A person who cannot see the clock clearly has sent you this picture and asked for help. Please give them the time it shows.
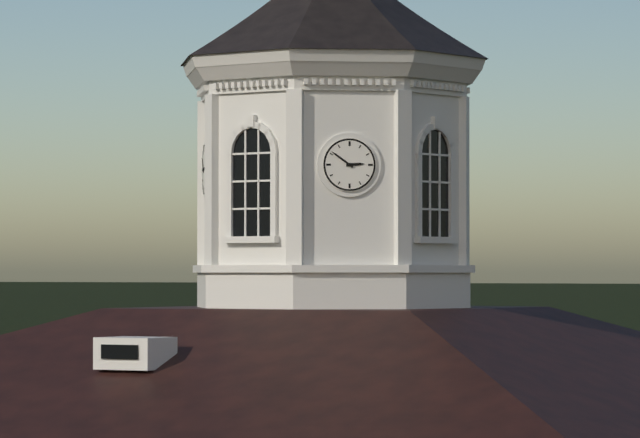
2:51
